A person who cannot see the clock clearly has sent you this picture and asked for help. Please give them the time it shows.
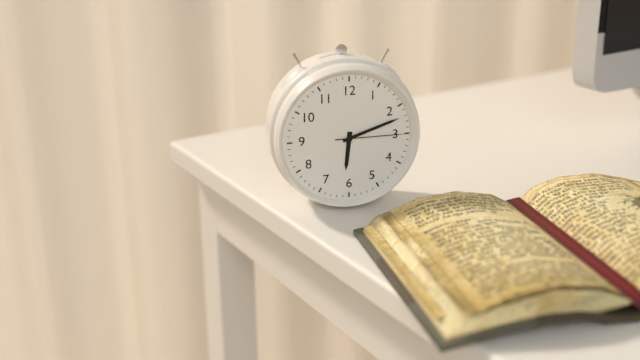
6:12:15
